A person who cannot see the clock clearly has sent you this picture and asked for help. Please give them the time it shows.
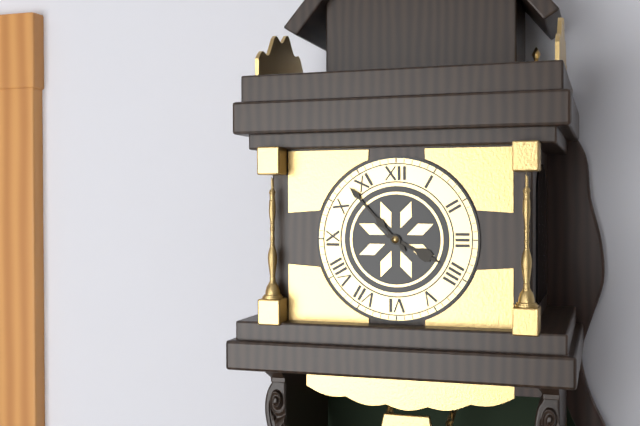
3:53
